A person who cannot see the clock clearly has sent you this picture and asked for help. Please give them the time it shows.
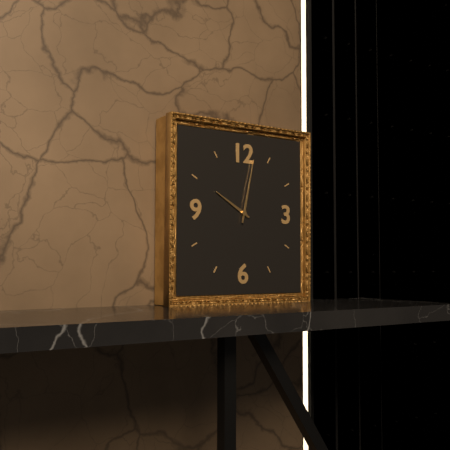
10:02
